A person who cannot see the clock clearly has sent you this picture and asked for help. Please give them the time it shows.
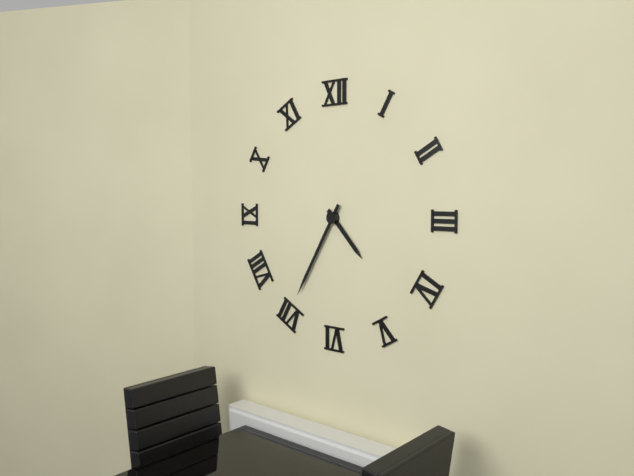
4:35
